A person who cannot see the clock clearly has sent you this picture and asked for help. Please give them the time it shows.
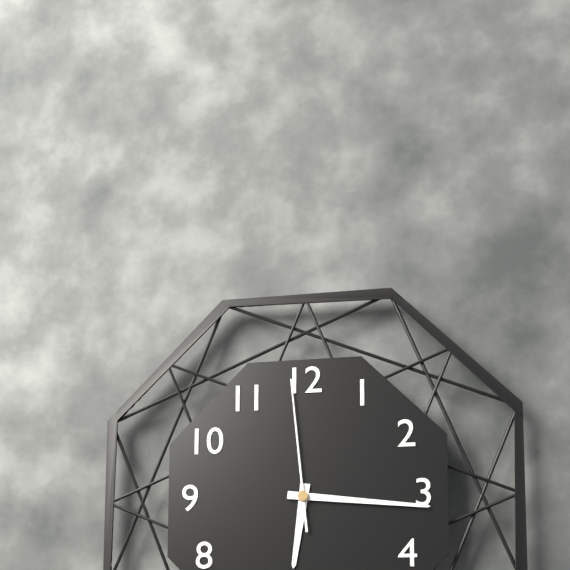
6:16:59
